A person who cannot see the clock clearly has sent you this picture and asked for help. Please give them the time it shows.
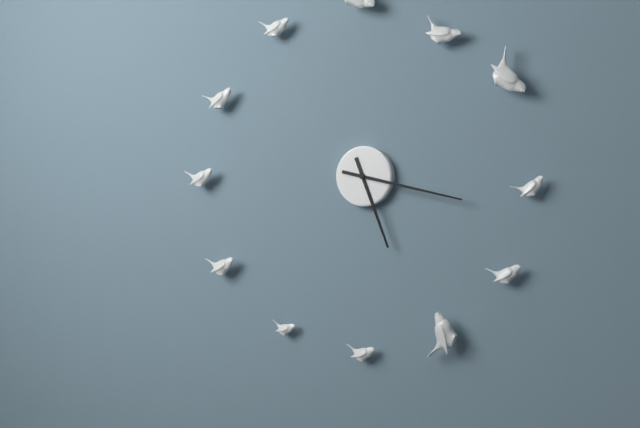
5:17
